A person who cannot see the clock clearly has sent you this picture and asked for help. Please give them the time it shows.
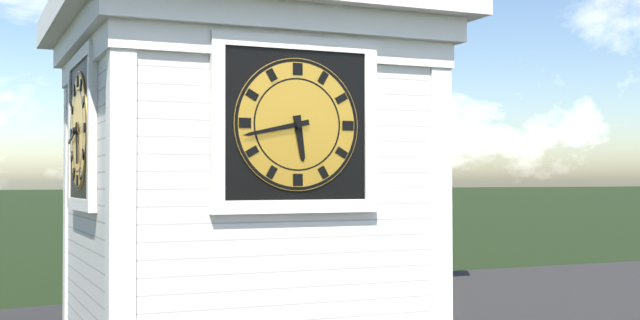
5:43
